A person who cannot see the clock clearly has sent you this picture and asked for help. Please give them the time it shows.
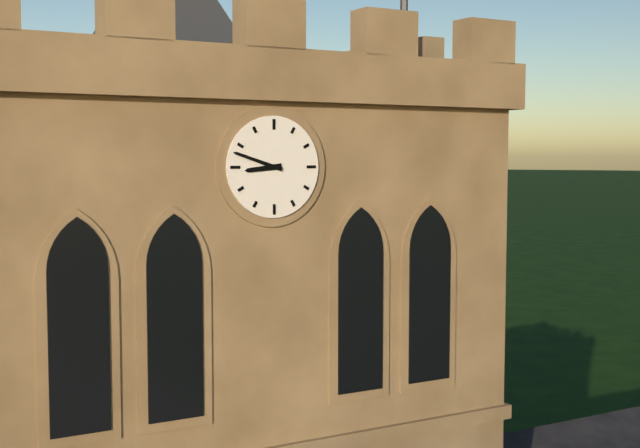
8:48
